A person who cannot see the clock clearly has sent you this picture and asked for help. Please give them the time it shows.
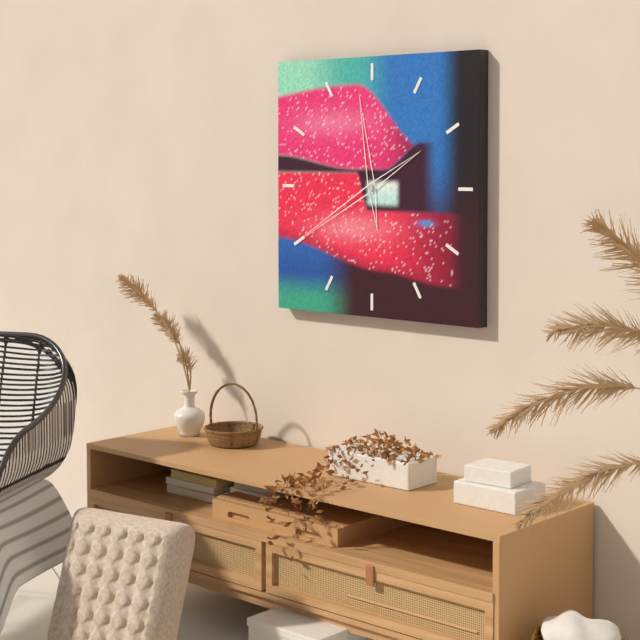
11:40
